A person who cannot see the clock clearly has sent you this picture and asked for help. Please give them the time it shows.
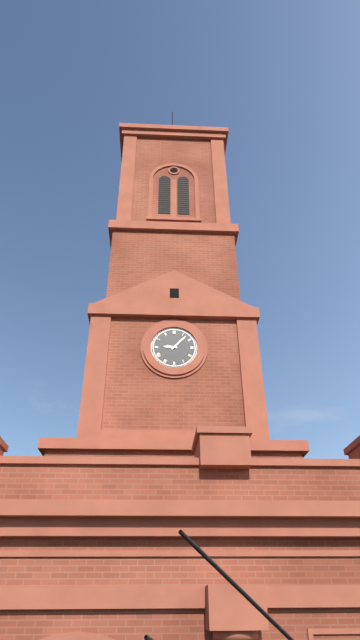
9:07
